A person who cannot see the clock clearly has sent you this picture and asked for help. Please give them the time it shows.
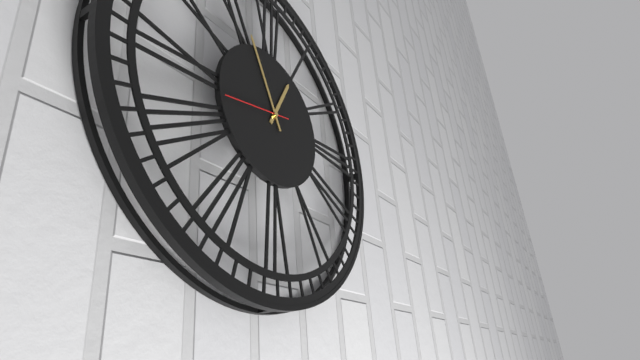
12:56
